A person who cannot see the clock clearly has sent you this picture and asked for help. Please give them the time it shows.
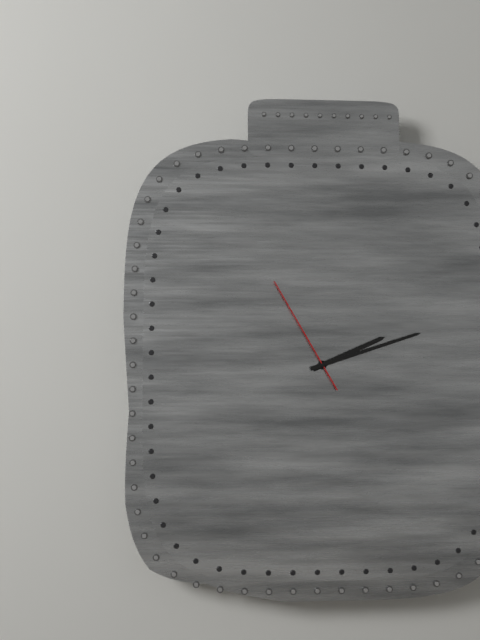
2:12:55
